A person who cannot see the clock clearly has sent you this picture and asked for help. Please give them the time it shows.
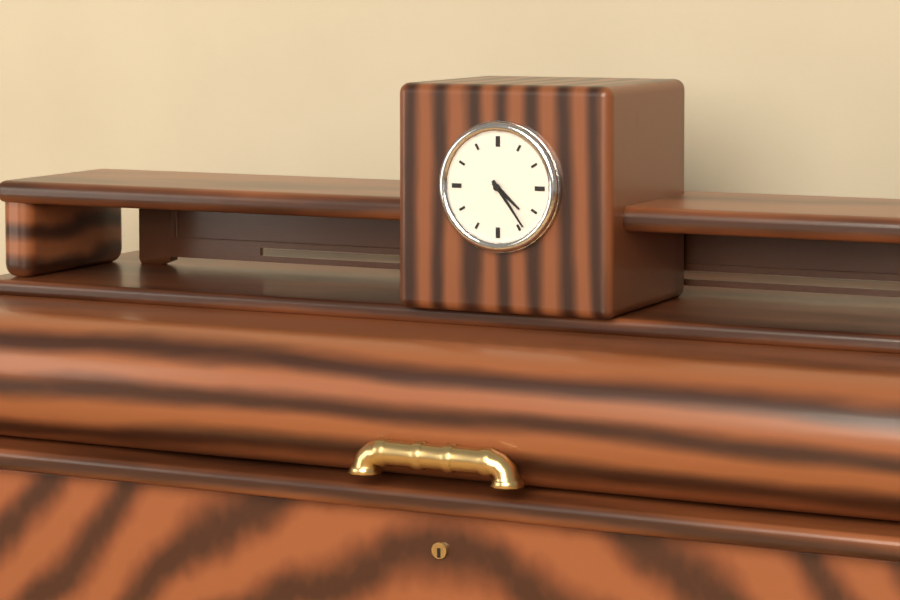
4:24
